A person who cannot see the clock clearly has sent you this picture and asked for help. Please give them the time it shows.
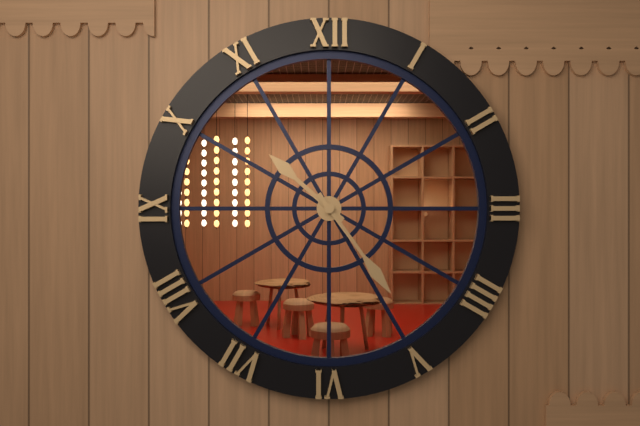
10:24
